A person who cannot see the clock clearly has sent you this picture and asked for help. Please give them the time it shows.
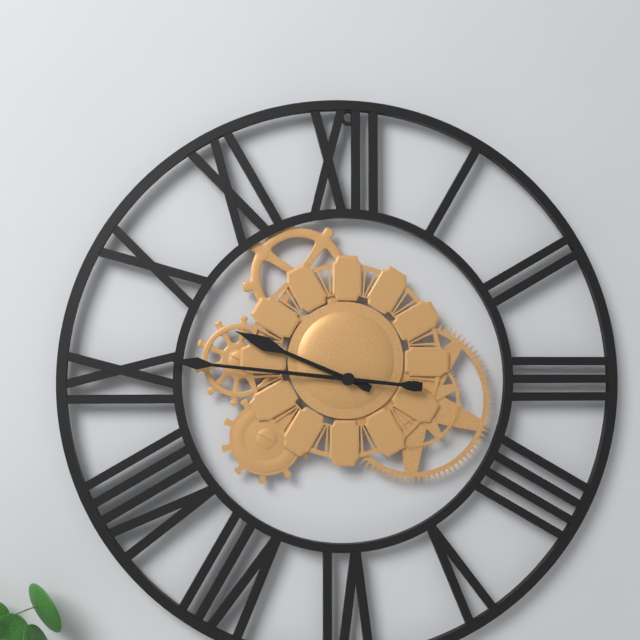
9:46
